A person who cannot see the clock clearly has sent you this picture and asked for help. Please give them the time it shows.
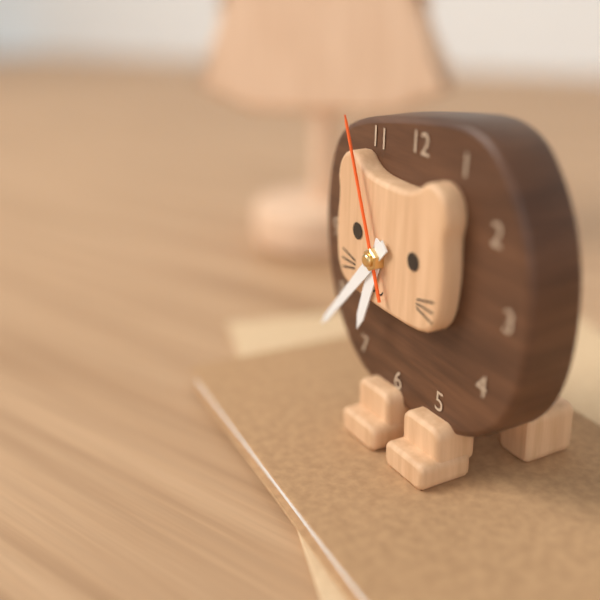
6:37:56
